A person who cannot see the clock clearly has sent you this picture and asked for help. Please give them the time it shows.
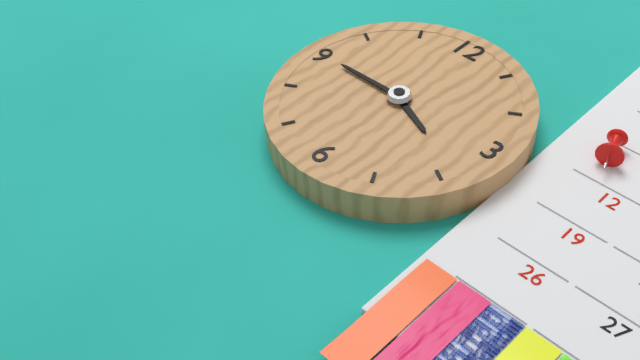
3:45
